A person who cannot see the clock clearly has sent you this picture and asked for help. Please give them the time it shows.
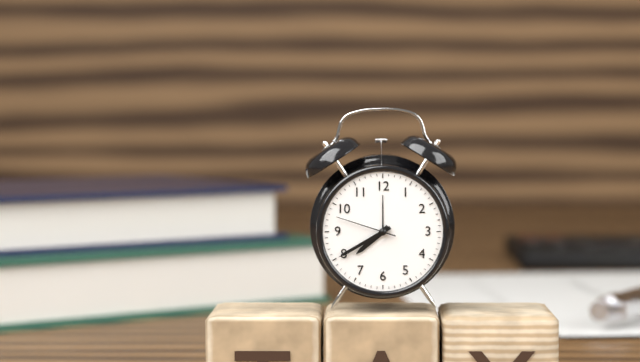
7:40:48
